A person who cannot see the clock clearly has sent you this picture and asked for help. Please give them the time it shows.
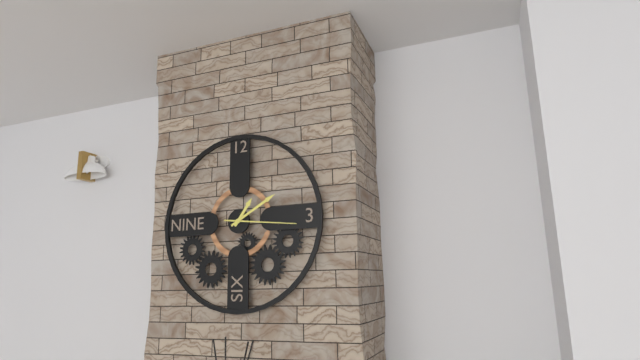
1:10:16
